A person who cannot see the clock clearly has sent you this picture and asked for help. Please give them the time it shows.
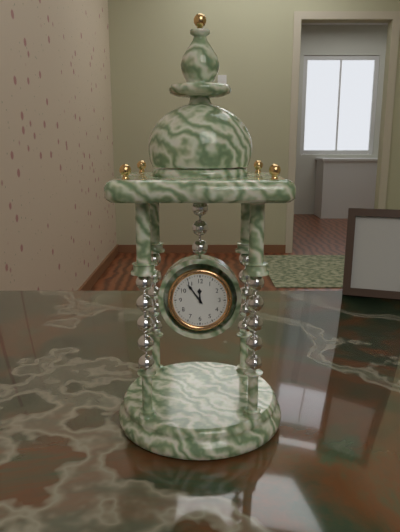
11:54
